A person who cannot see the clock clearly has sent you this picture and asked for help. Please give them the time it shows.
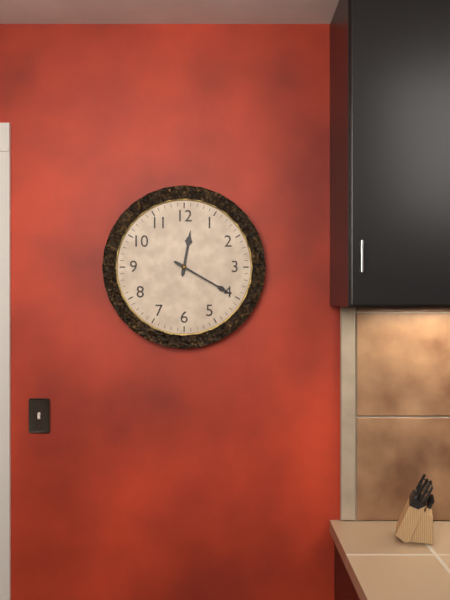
12:20
